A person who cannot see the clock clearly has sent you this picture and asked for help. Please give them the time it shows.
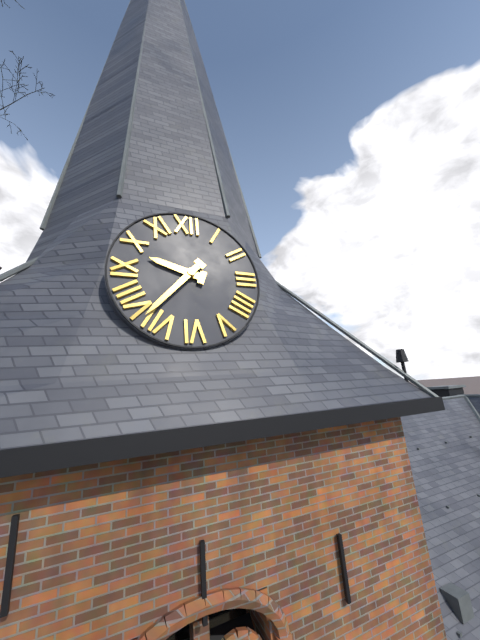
9:37
